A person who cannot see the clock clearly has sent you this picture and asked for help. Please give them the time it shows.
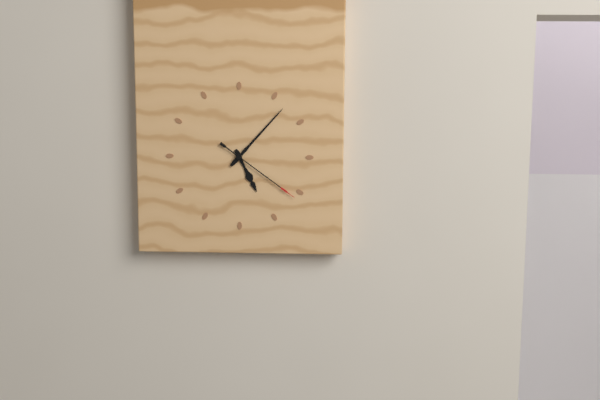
5:07:21
